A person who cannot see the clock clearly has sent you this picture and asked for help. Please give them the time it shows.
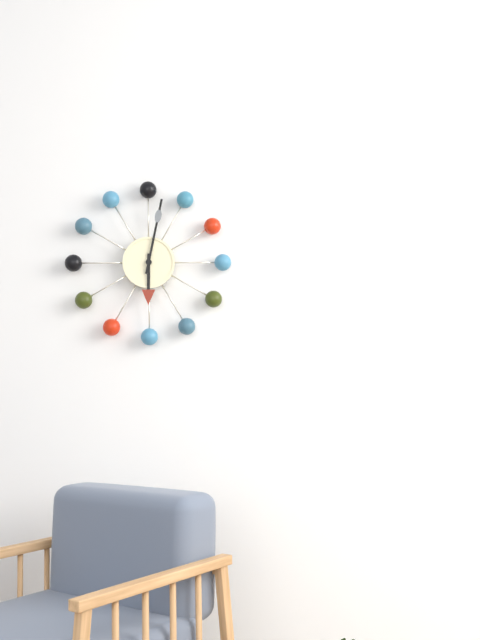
6:02
